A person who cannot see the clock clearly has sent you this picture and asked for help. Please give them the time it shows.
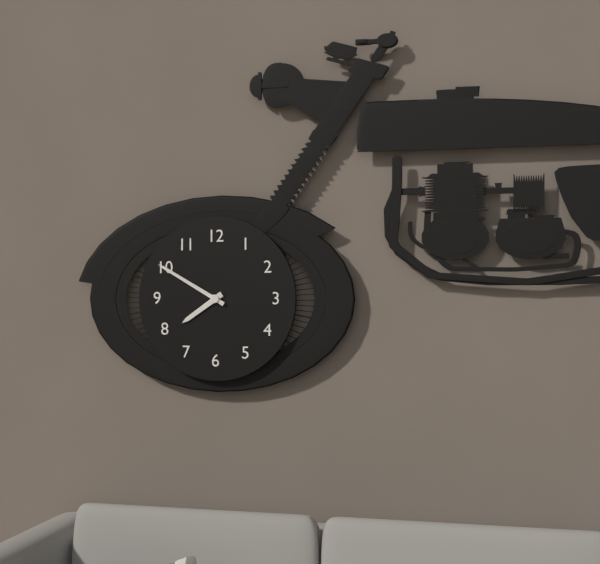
7:50
